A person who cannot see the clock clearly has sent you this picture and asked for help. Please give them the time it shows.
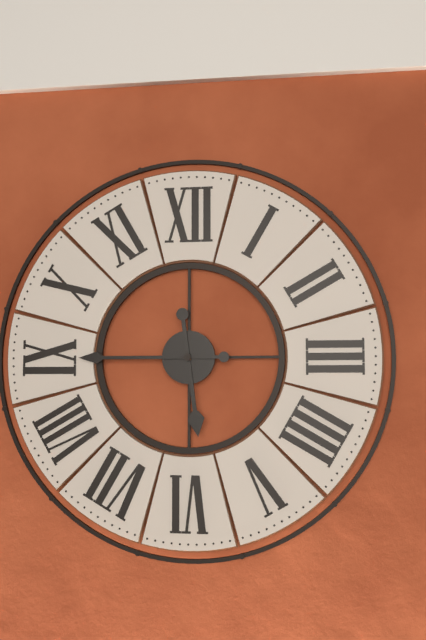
5:45
